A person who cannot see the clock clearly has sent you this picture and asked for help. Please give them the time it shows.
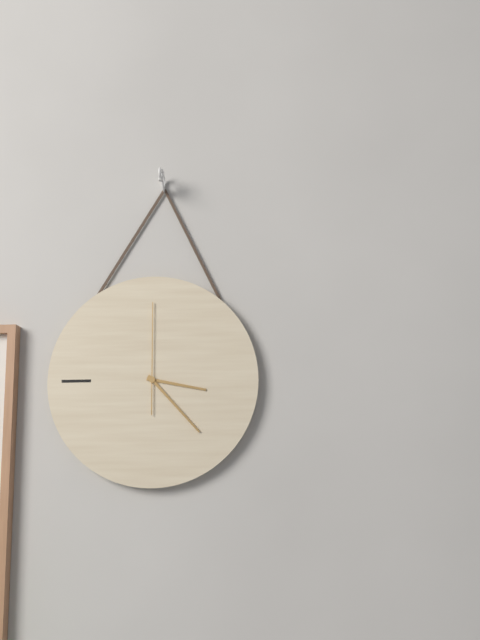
3:23:00
